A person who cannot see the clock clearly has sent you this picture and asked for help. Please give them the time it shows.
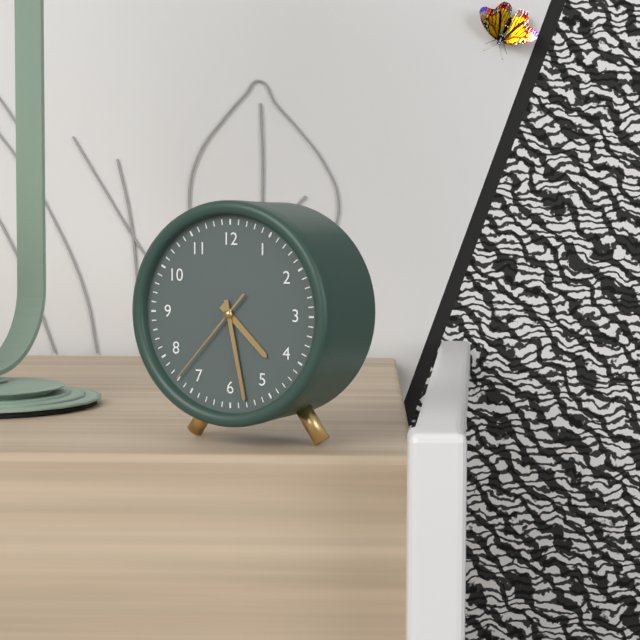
4:28:37
